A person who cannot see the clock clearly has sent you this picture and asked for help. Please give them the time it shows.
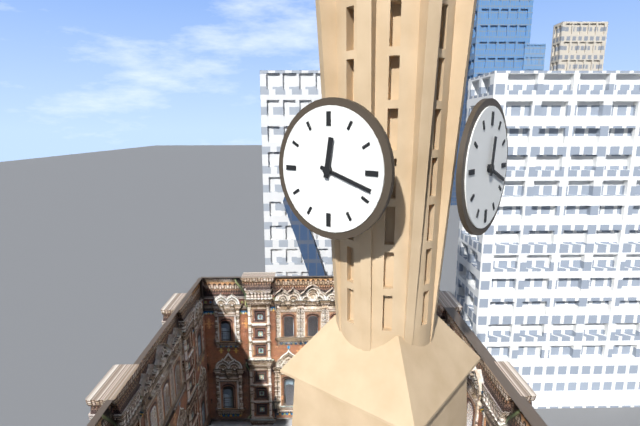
12:18
